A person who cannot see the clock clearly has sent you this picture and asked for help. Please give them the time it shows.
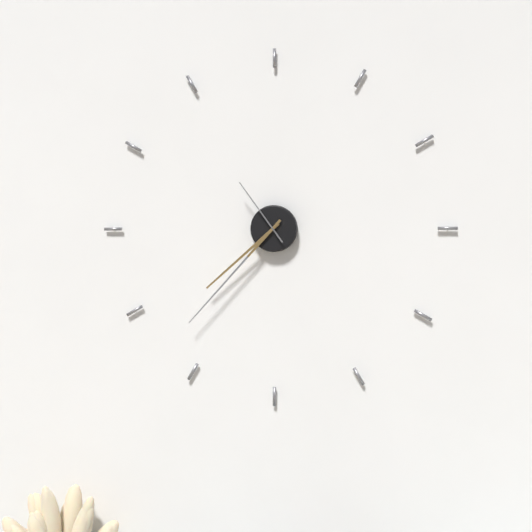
7:37:54
